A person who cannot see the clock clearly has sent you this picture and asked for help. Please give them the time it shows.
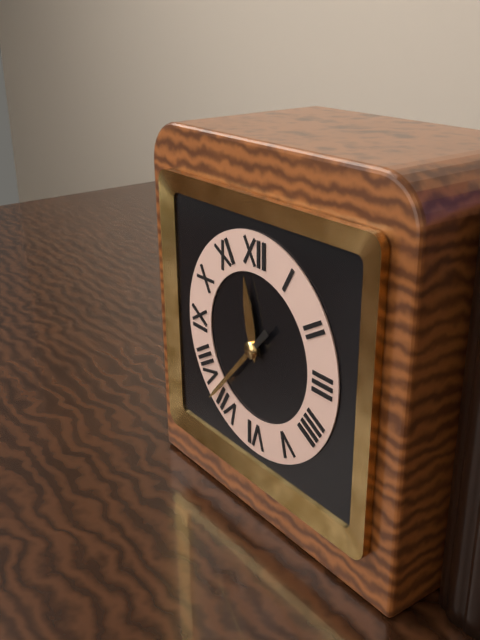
11:37
